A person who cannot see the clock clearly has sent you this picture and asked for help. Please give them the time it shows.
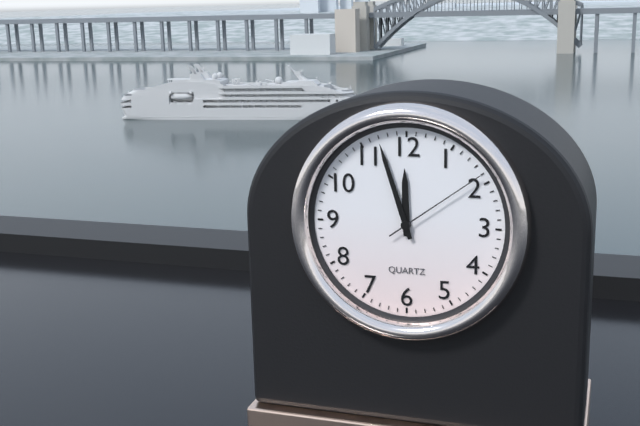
11:57:09
